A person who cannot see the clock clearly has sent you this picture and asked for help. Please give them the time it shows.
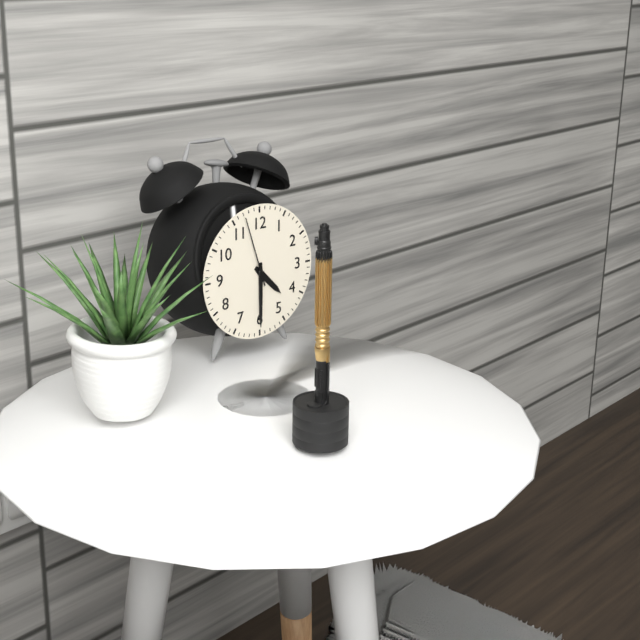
4:30:57
